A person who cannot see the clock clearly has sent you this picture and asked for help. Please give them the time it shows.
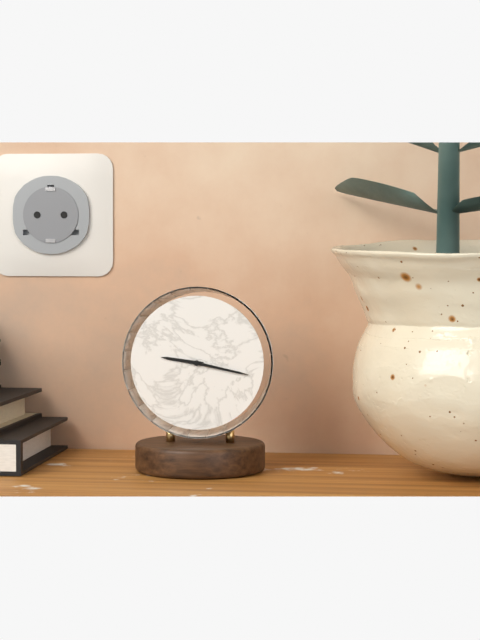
9:17
